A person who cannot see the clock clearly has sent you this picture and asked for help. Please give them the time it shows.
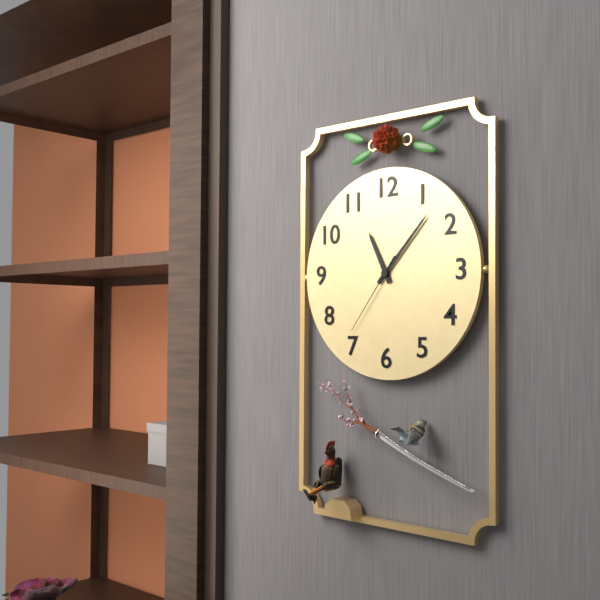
11:07:36
